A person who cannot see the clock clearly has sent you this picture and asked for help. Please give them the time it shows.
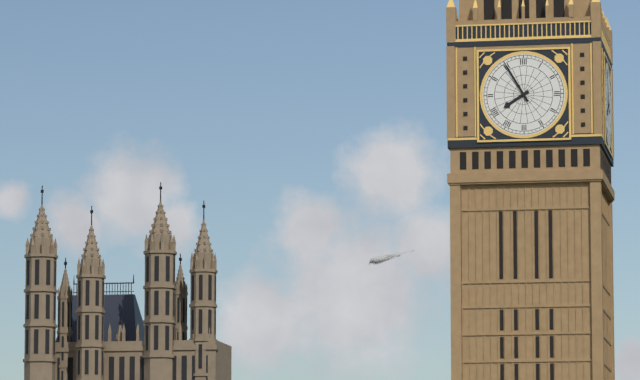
7:55
